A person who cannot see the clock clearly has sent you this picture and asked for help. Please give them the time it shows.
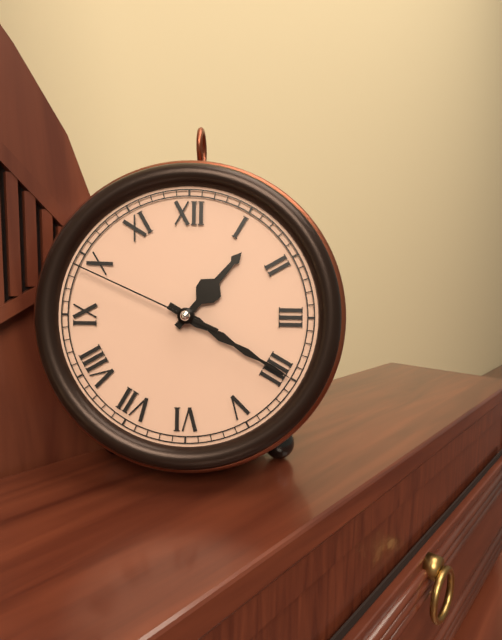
1:20:49
